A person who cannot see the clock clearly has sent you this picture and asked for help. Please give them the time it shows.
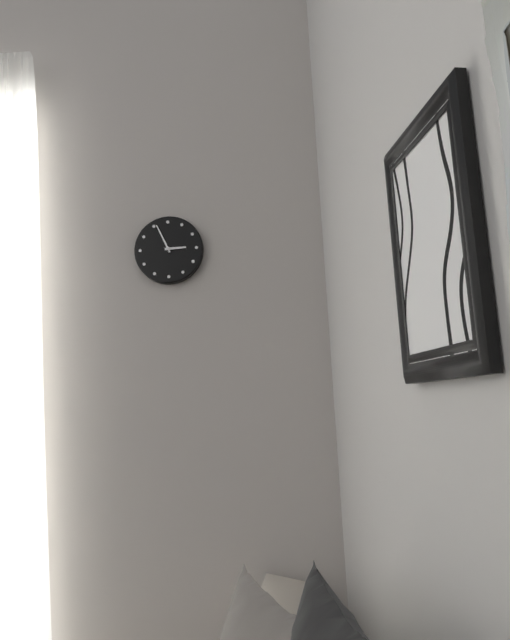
2:56
